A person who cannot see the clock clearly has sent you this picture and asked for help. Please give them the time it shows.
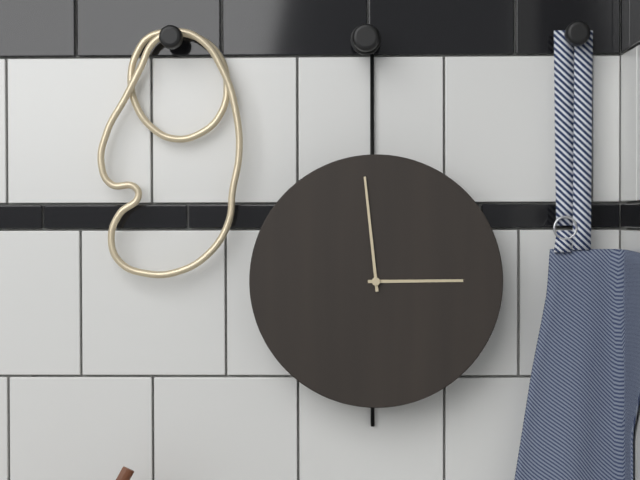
2:59
